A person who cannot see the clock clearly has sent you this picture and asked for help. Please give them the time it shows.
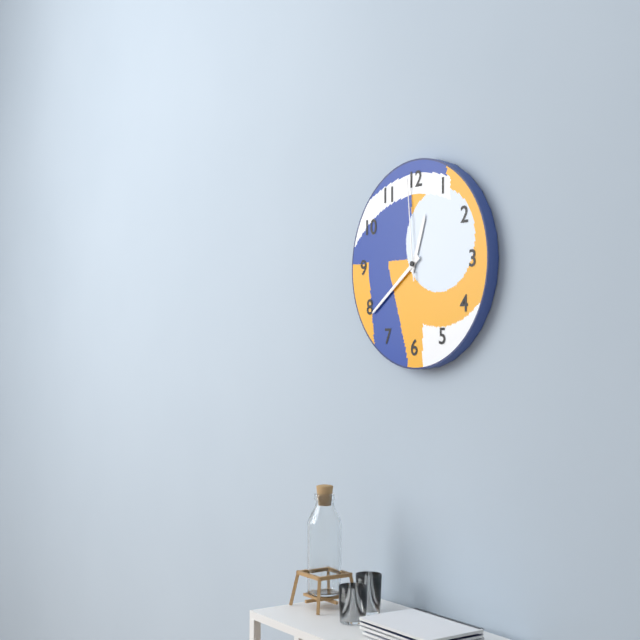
12:39:59
